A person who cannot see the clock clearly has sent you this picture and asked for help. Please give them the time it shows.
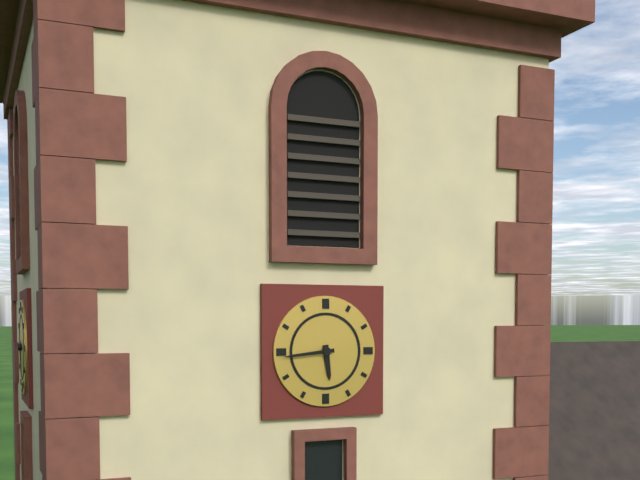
5:44
